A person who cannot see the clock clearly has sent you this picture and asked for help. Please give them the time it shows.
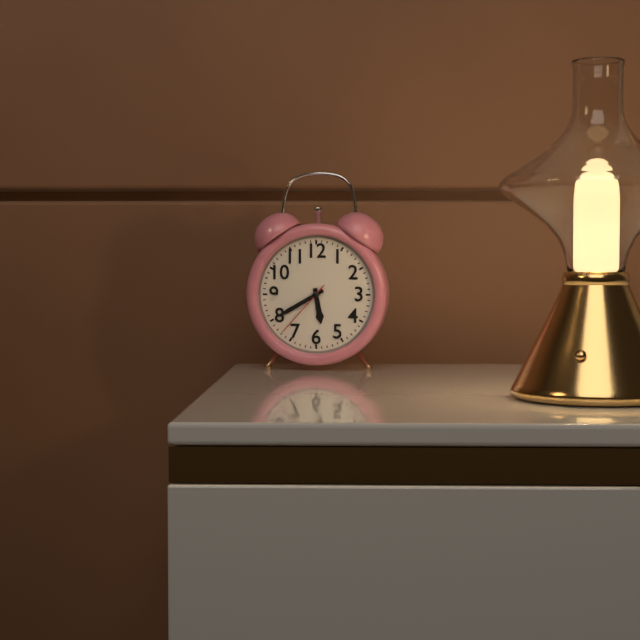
5:40:37
